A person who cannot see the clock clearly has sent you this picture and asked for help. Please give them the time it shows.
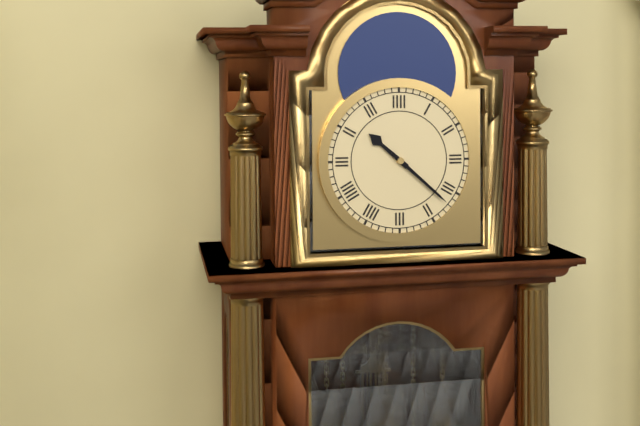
10:22
